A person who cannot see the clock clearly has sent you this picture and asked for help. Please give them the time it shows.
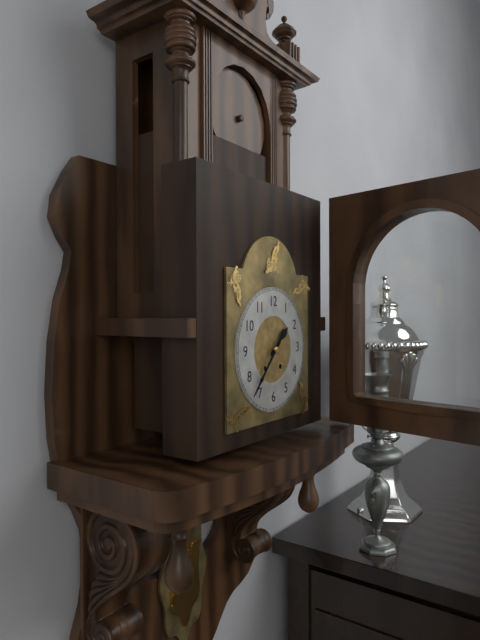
1:37
